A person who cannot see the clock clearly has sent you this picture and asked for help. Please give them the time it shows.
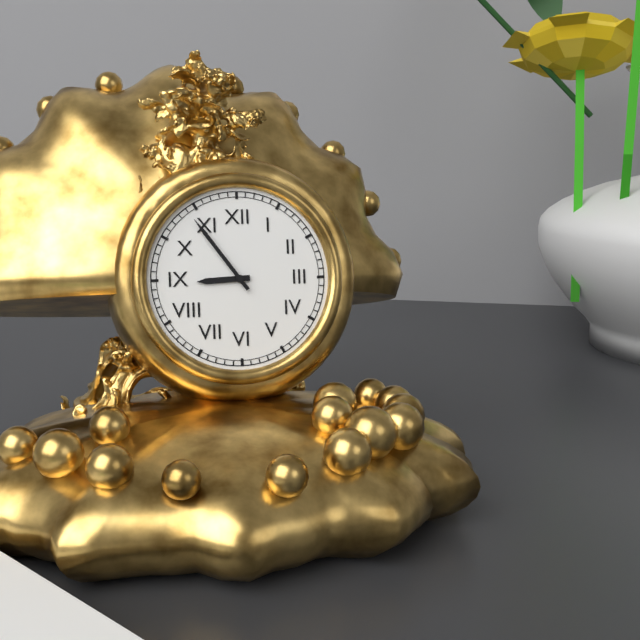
8:54
